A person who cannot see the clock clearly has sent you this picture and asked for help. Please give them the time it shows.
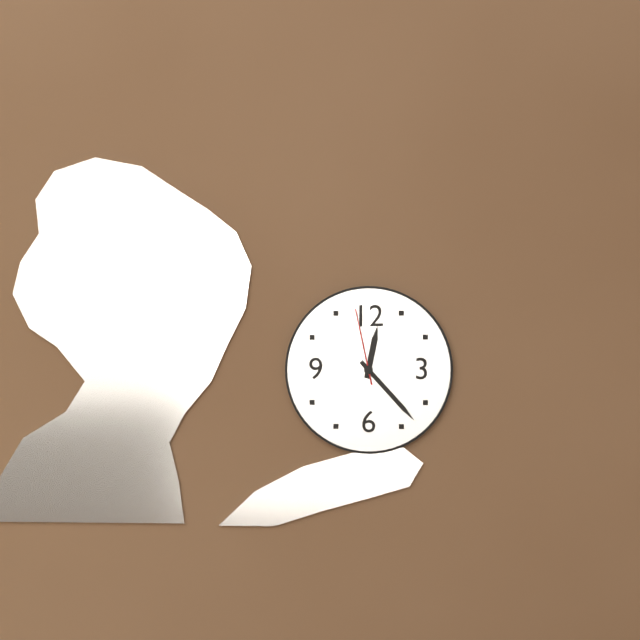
12:23:58
